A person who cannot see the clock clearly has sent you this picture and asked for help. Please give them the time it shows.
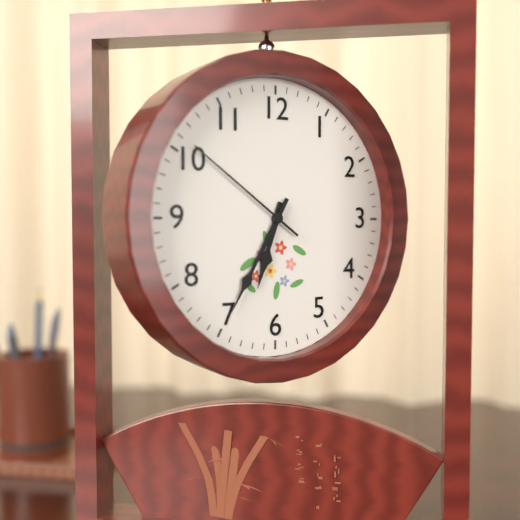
6:35:51
